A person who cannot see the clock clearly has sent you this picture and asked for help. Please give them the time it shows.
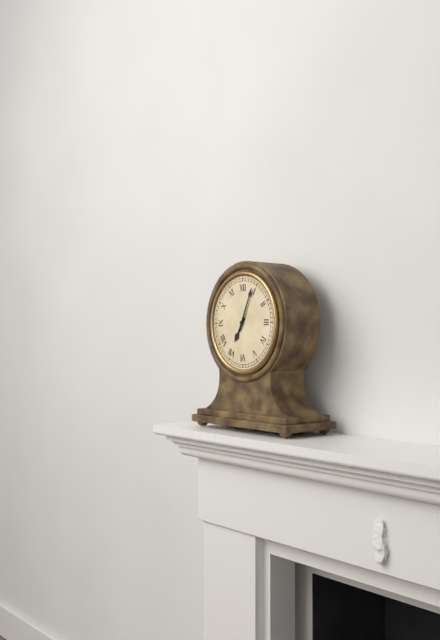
7:04
